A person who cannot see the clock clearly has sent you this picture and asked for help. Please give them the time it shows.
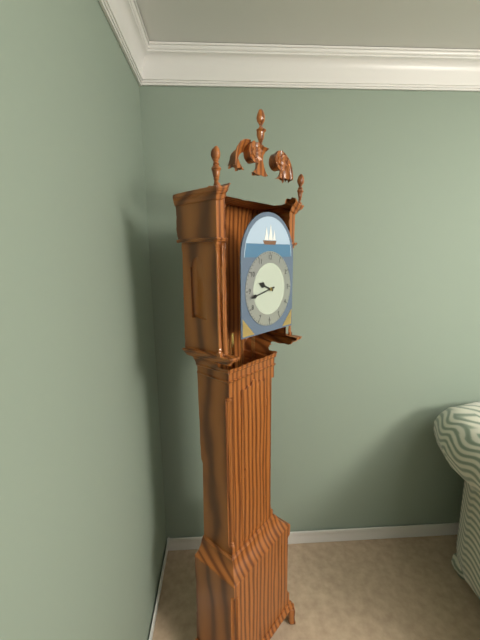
9:43
